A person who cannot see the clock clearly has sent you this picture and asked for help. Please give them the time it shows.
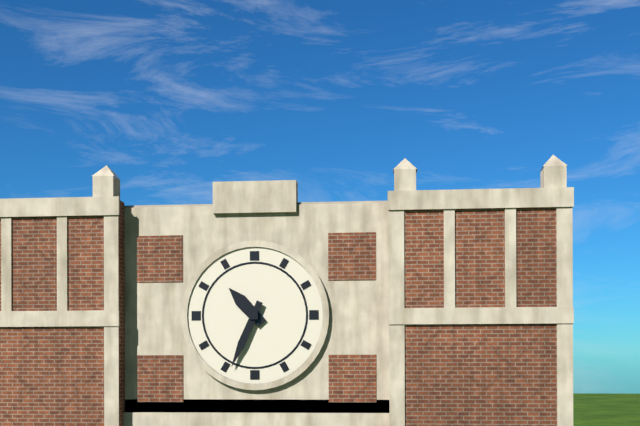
10:34
